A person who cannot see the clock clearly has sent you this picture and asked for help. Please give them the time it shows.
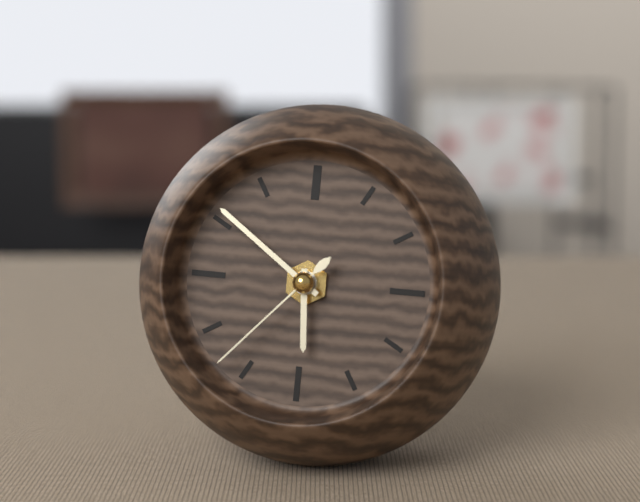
5:51:37
